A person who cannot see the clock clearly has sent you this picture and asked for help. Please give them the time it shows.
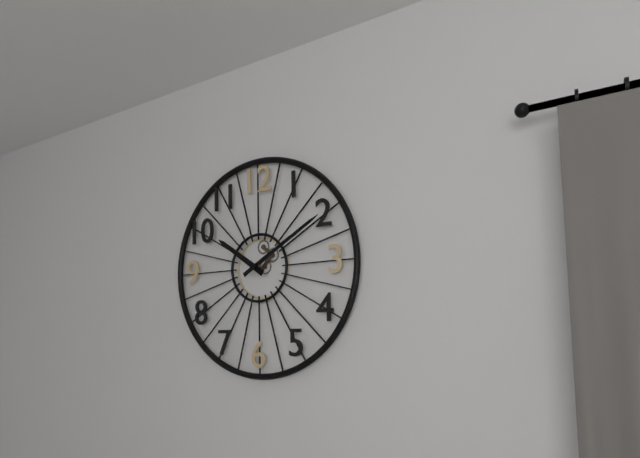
10:10
